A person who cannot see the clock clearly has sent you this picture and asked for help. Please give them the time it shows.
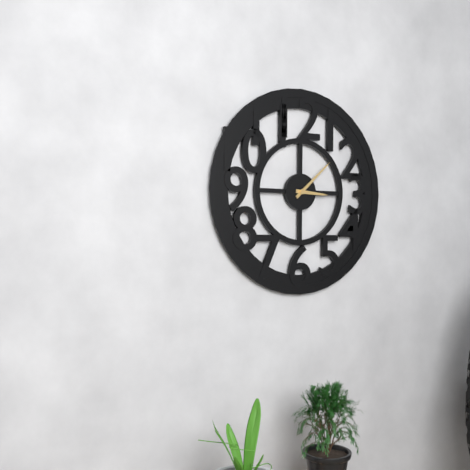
3:08
